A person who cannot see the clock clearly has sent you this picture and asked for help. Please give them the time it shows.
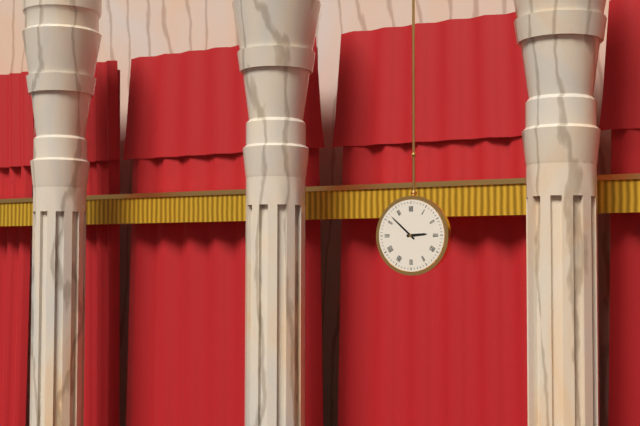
2:52
